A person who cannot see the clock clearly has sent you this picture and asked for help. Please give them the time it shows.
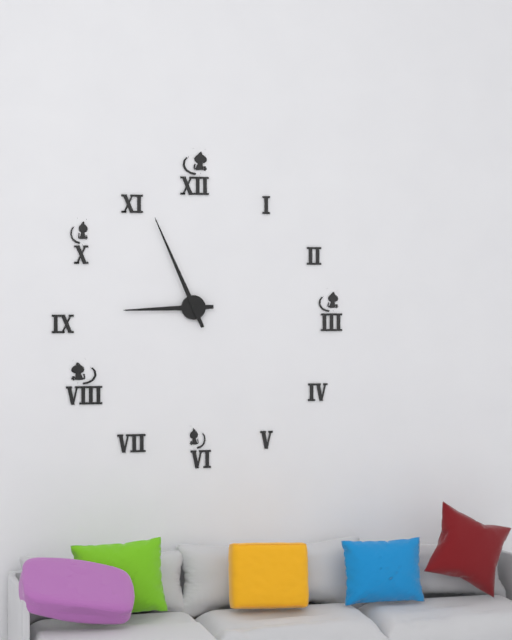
8:56
